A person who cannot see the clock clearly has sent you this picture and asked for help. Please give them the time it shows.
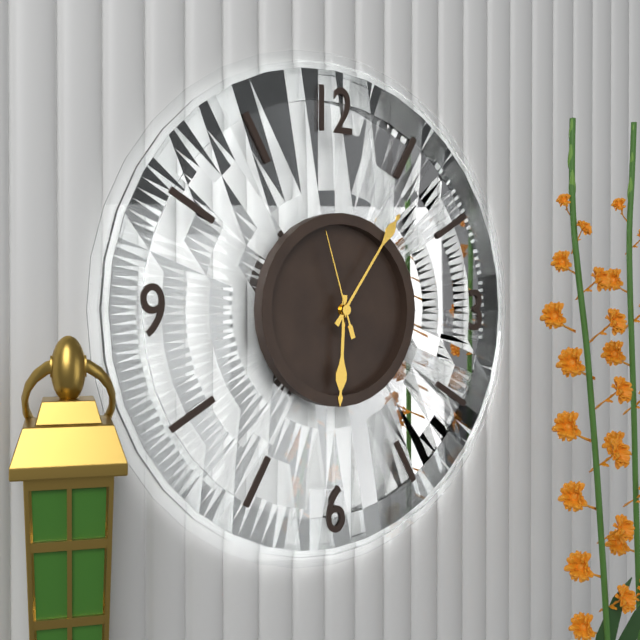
6:06:57
